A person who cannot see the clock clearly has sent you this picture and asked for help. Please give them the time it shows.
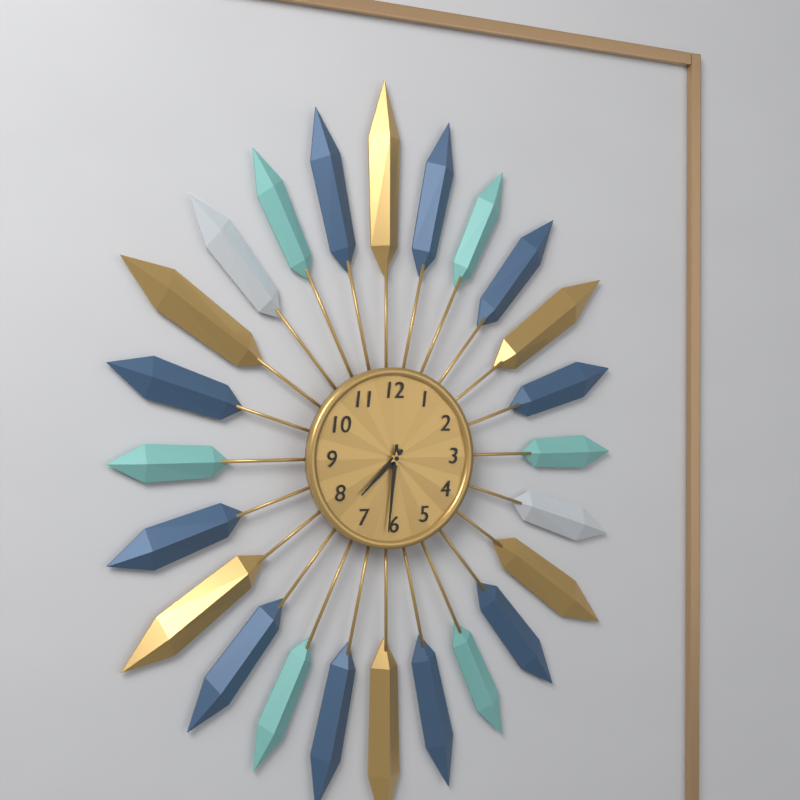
7:31
